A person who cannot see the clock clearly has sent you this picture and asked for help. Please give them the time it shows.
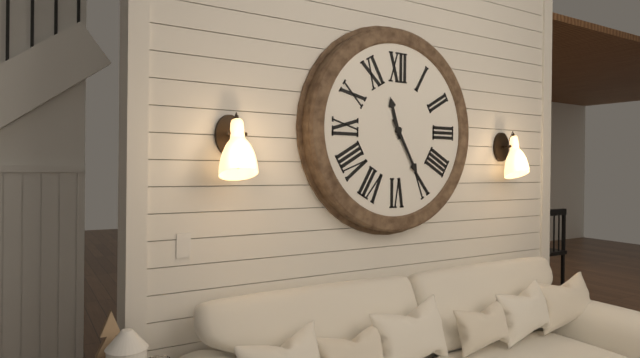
11:25
